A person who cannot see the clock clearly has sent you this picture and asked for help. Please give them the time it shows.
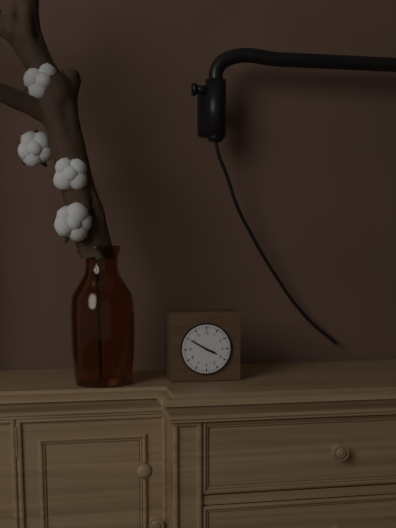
3:50
